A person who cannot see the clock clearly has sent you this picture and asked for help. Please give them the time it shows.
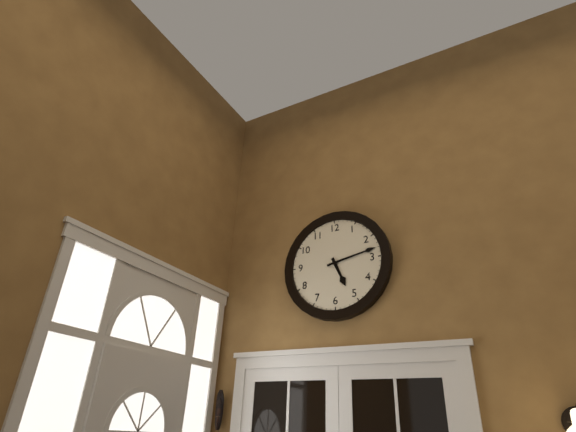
5:13
